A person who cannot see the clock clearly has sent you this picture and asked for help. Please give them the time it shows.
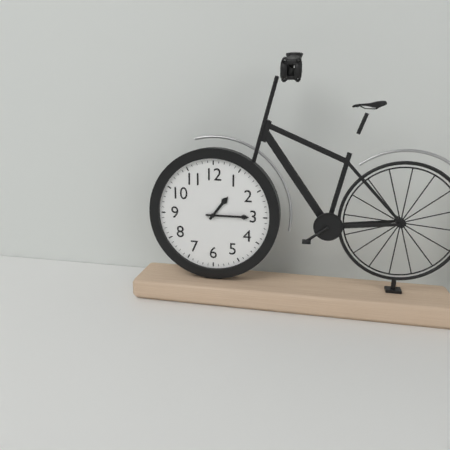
1:15
